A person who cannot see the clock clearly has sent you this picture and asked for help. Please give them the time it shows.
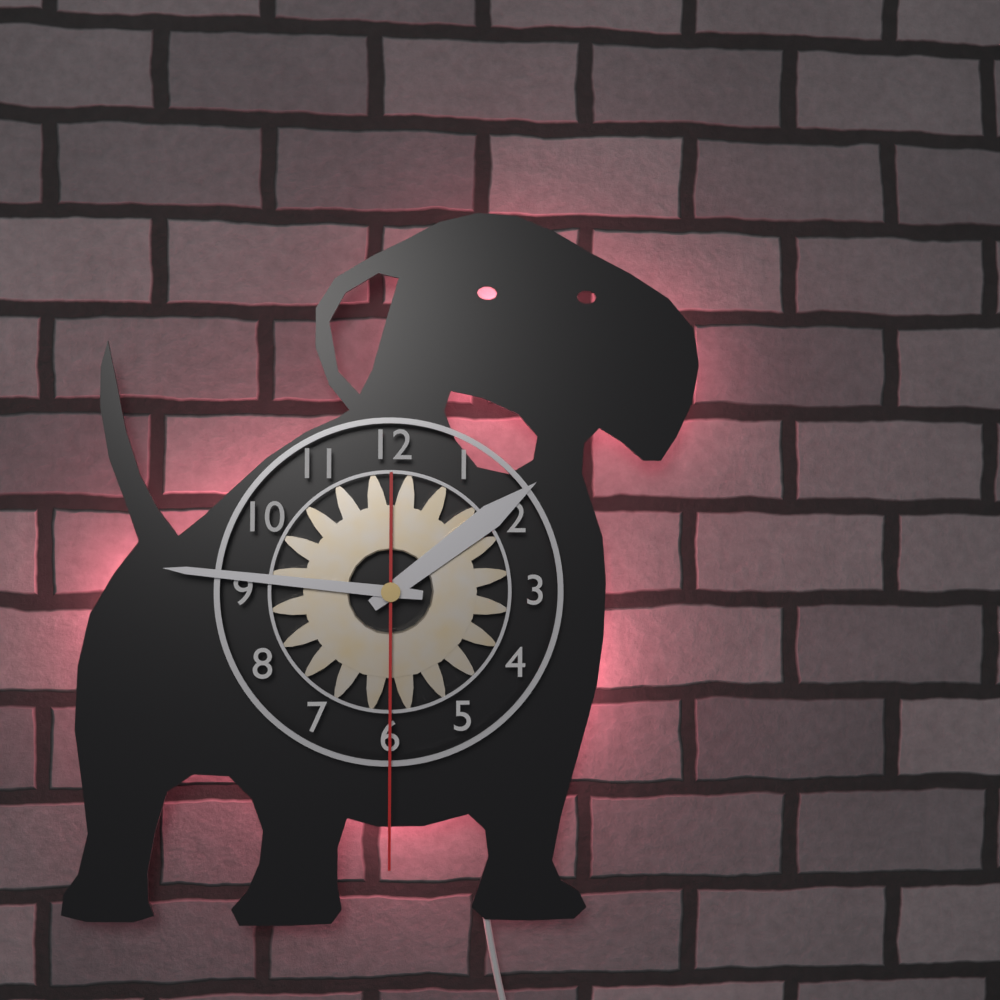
1:46:30
